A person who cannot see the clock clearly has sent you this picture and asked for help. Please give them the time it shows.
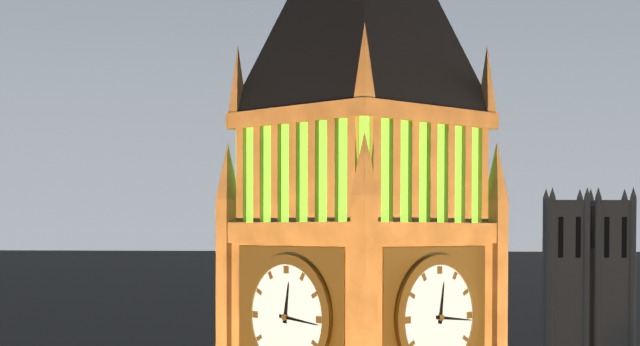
12:16
